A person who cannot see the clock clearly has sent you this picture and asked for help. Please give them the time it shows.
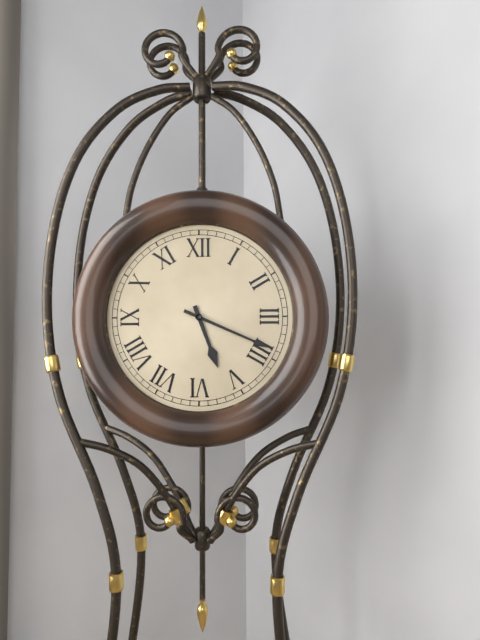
5:19
